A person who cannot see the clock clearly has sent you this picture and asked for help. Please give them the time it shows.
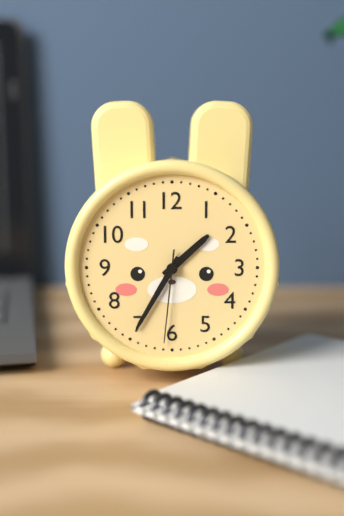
1:35:31
